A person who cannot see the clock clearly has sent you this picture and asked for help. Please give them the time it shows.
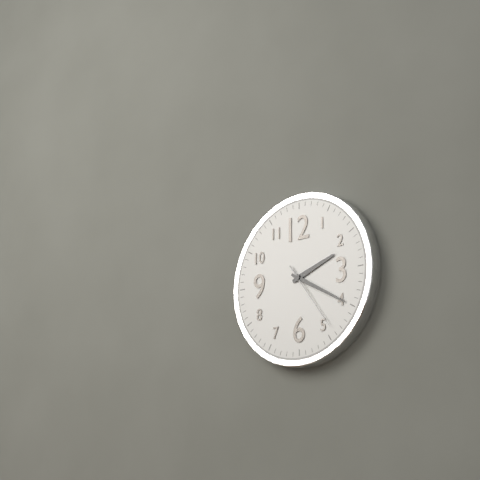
2:20:24
